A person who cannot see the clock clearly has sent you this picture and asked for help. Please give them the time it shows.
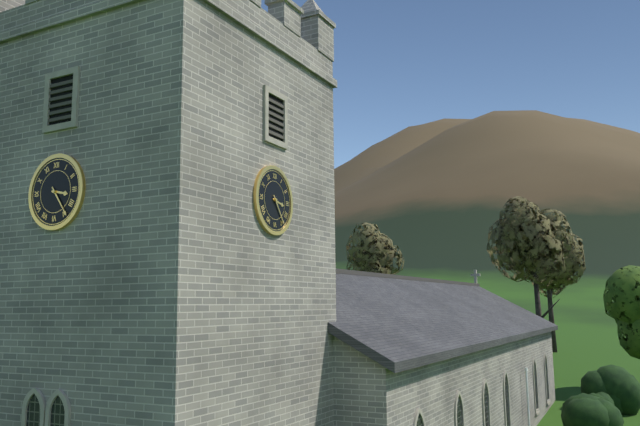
3:24
